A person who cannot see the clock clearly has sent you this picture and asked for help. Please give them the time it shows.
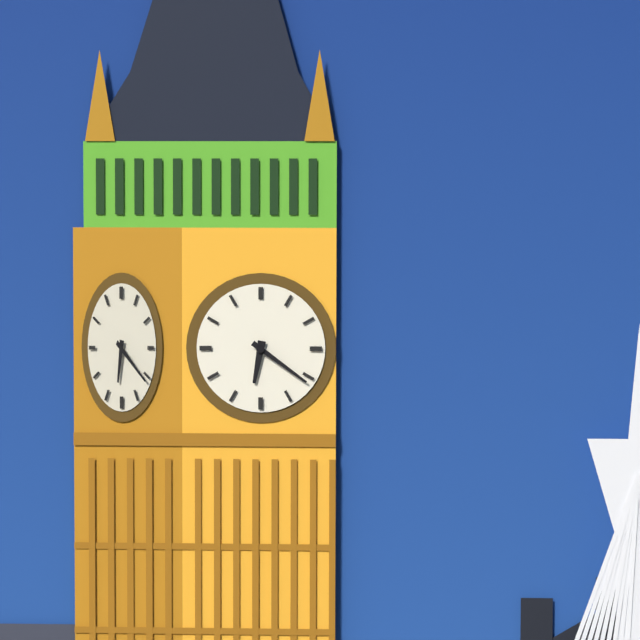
6:21
